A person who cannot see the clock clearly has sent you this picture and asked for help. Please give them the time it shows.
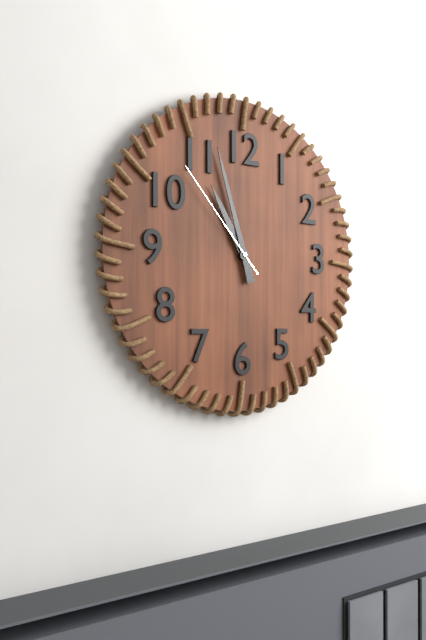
10:57:53
